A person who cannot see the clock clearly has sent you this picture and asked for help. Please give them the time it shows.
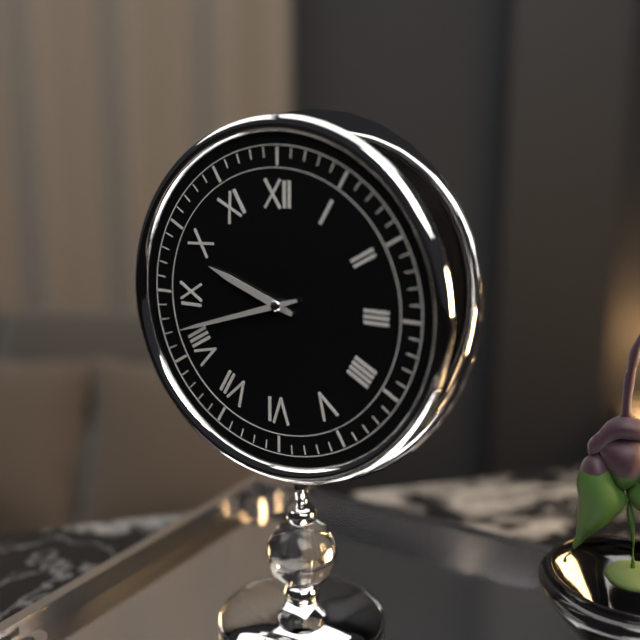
9:42
